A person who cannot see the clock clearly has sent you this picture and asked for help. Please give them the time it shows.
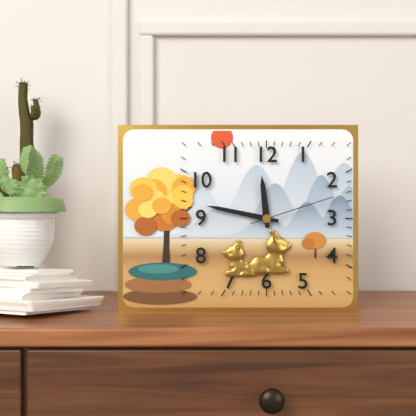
11:47:12
